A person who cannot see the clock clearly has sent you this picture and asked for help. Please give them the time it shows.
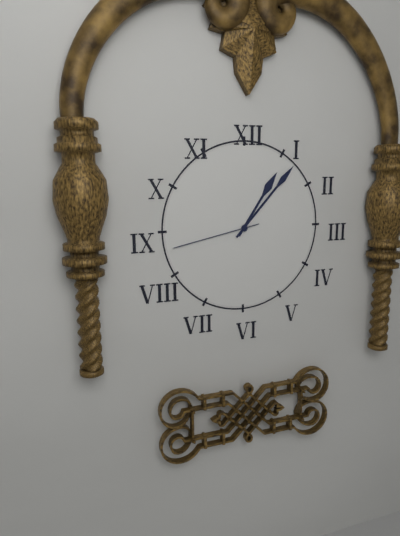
1:07:43
